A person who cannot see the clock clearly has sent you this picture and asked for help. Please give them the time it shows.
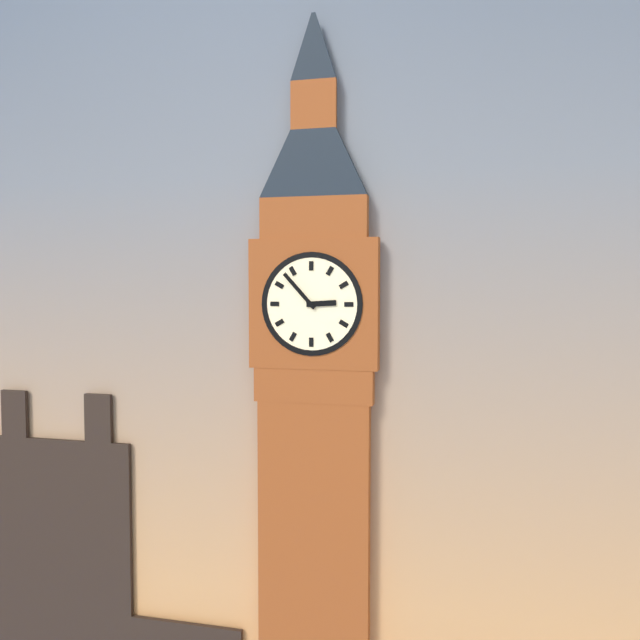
2:53
